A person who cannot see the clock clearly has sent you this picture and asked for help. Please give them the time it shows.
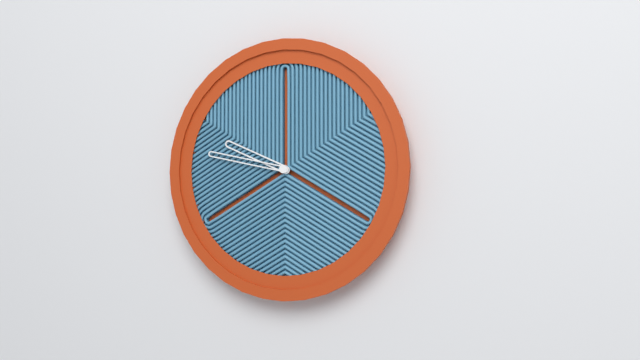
9:47
